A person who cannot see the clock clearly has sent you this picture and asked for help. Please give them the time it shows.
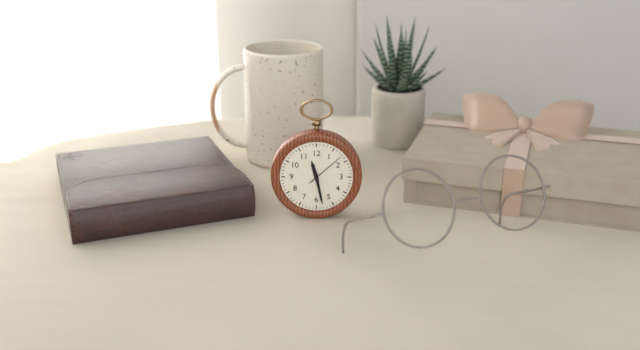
11:28
